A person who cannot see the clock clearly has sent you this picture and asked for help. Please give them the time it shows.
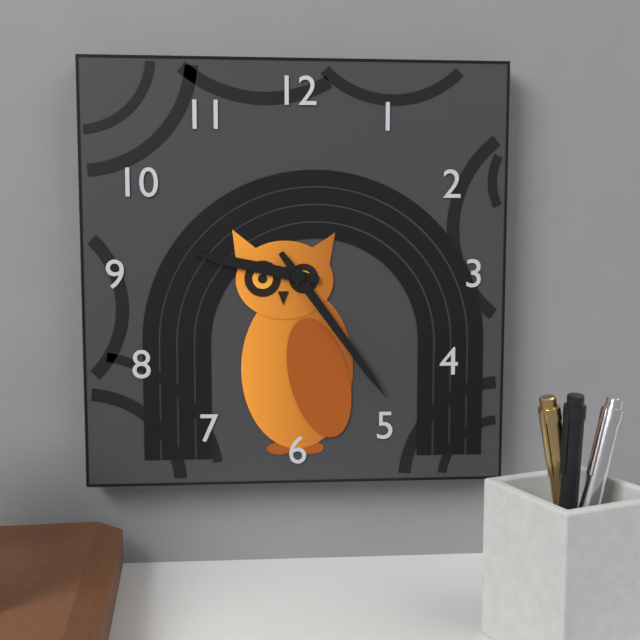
9:24
